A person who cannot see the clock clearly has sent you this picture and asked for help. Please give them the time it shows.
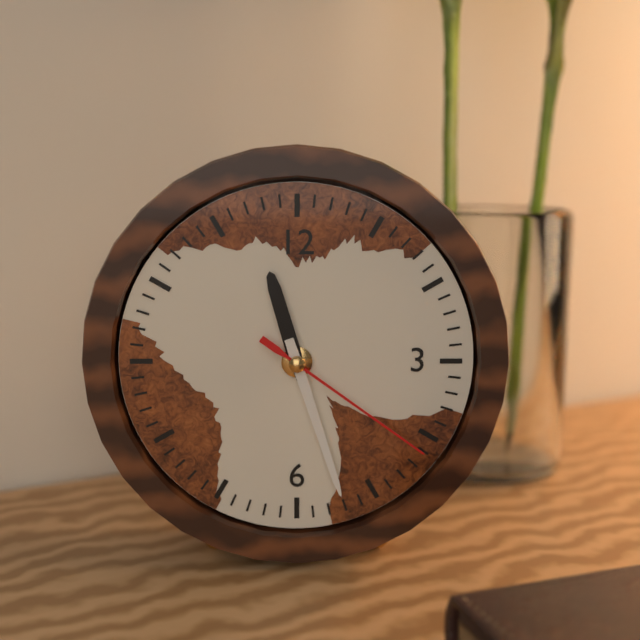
11:27:21
